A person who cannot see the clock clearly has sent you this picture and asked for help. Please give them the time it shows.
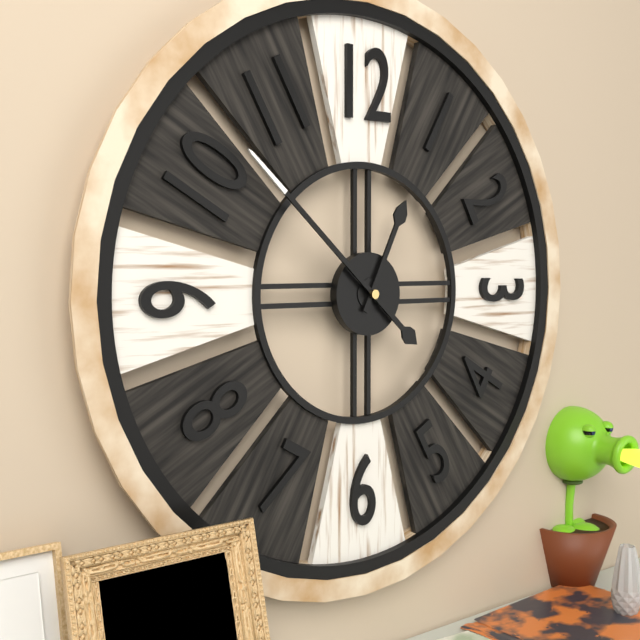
12:52
